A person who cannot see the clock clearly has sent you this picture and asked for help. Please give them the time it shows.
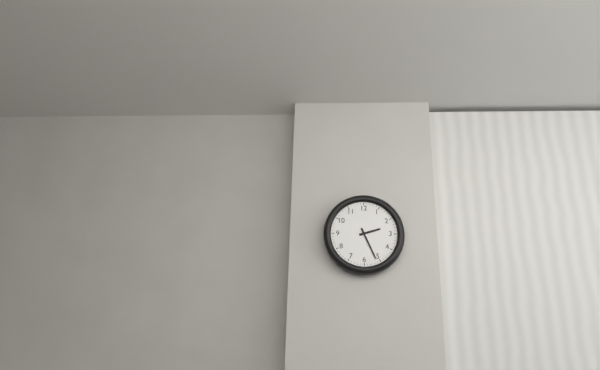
2:26
